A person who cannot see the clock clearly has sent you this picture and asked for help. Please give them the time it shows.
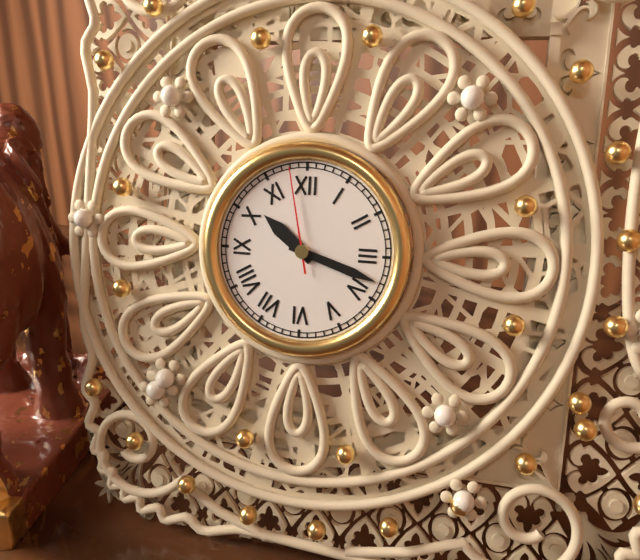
10:18:58
